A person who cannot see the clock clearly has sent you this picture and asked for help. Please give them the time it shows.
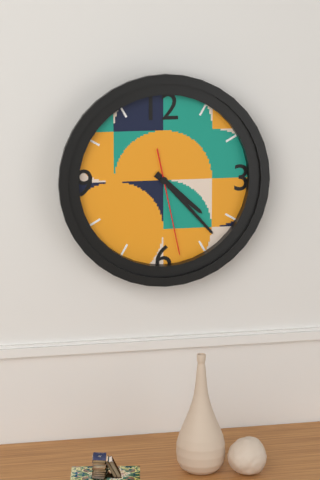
4:23:28
